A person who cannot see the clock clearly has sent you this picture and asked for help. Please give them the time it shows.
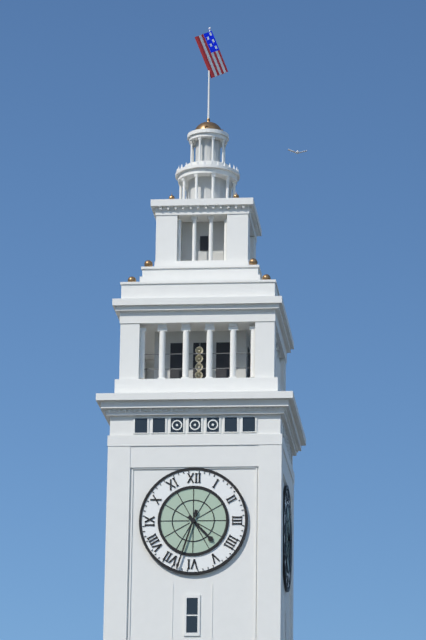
4:33
